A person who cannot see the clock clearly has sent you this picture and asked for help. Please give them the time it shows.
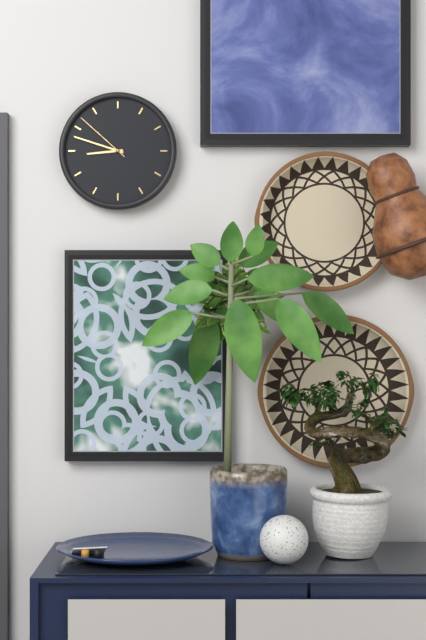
8:48:52
